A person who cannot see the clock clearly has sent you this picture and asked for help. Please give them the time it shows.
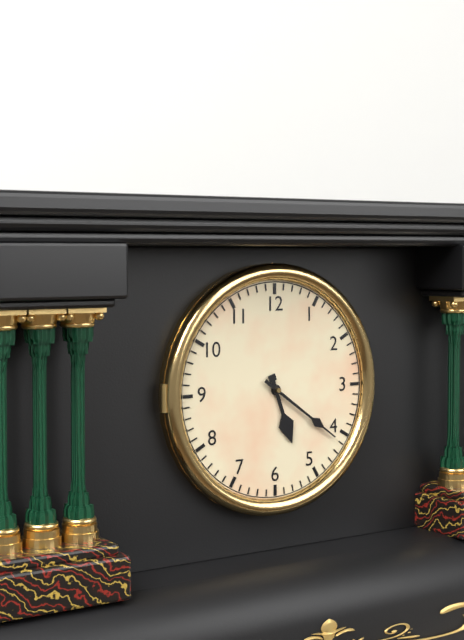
5:21
